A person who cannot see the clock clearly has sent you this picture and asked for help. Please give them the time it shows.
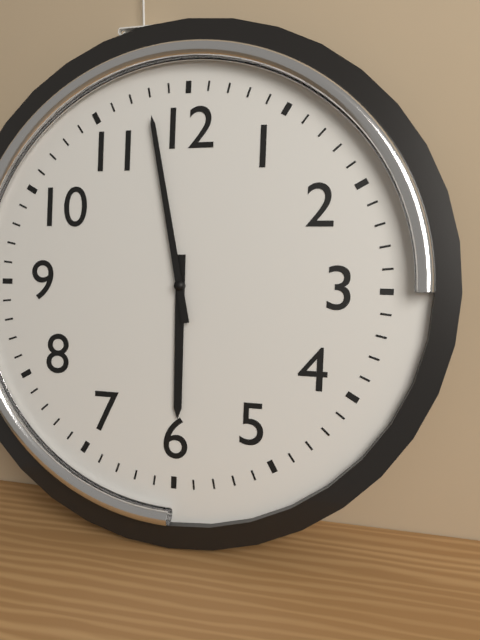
5:58
